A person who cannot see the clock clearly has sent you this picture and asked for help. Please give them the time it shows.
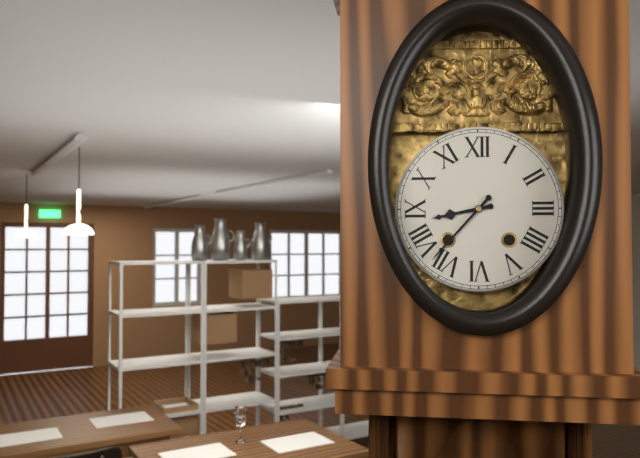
8:37
